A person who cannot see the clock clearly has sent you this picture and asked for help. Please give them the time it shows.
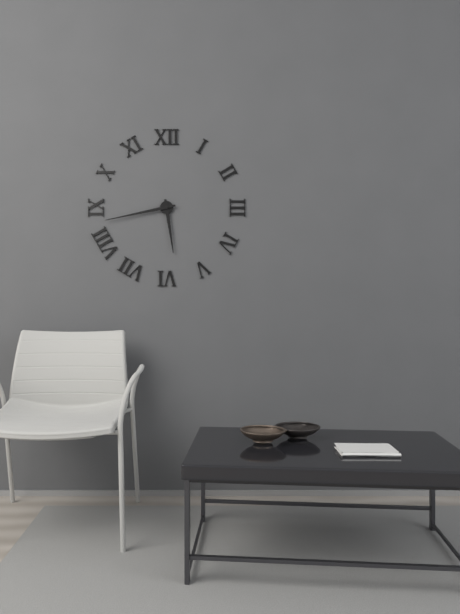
5:43
